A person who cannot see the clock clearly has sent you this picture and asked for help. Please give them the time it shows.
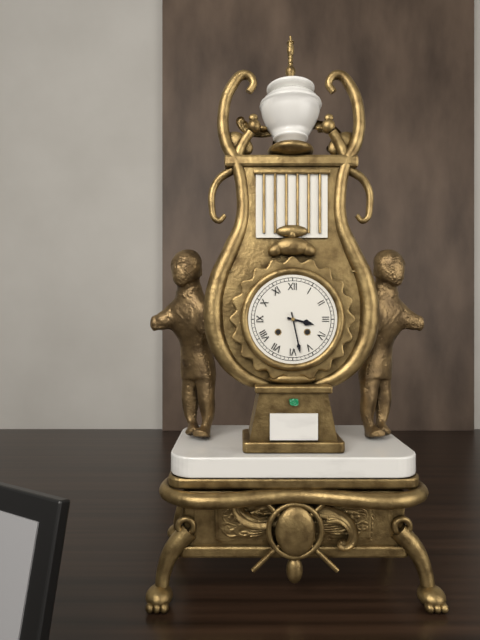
3:28
